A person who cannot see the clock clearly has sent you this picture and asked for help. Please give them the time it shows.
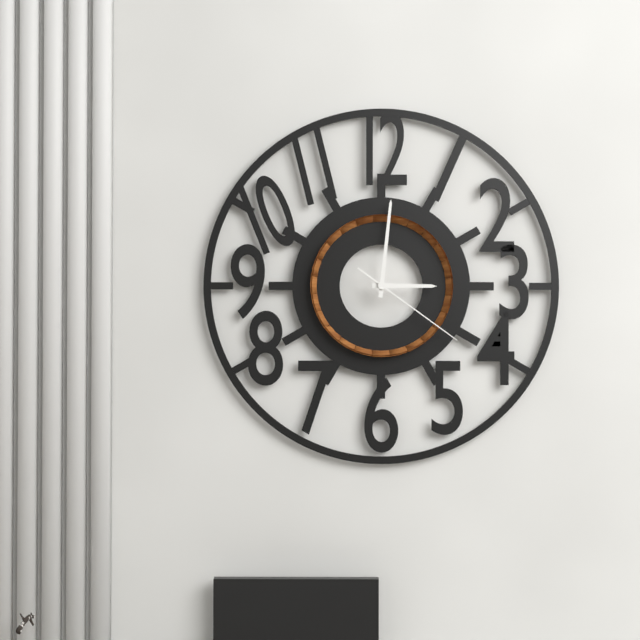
3:01:21
